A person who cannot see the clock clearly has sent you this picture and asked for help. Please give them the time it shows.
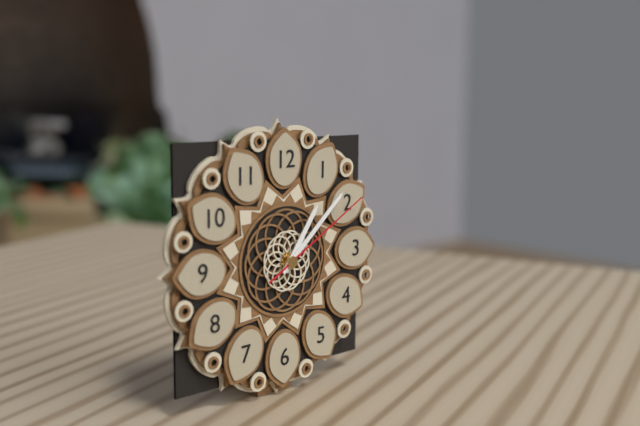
1:08:10
